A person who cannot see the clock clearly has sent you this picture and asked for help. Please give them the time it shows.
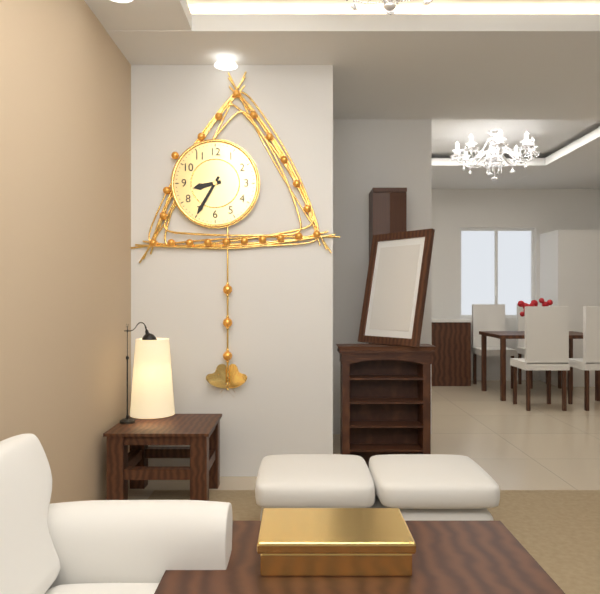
8:35
